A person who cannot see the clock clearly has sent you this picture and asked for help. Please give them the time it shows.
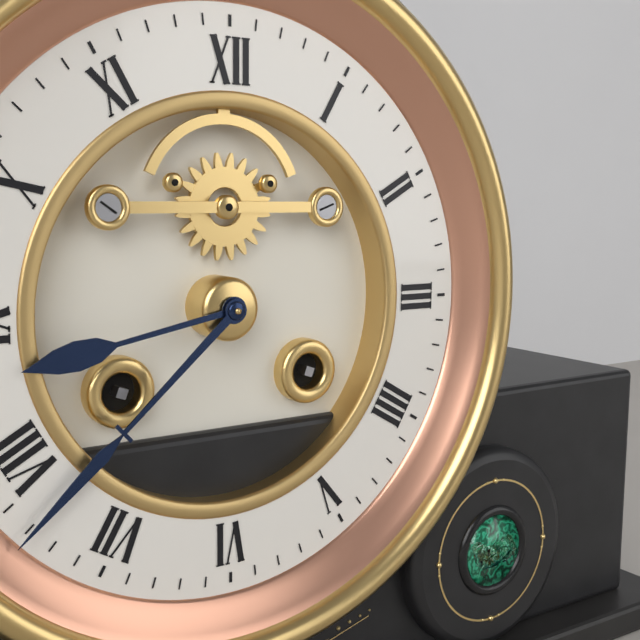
8:38
